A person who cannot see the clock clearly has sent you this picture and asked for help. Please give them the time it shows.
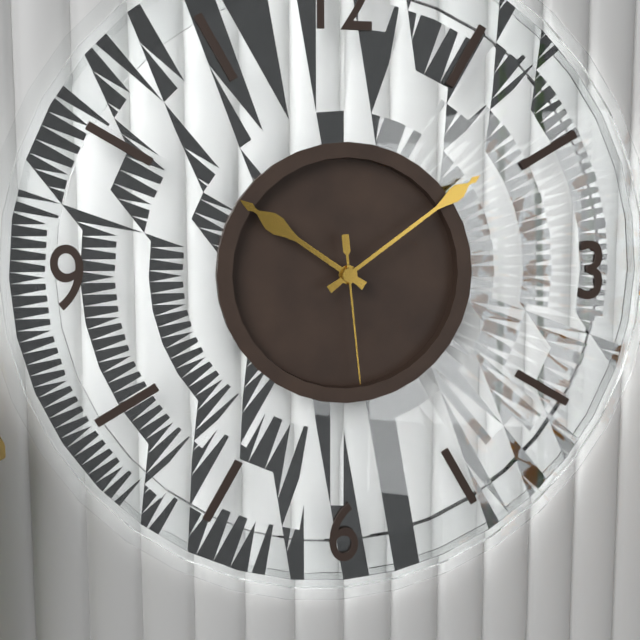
10:09:29
